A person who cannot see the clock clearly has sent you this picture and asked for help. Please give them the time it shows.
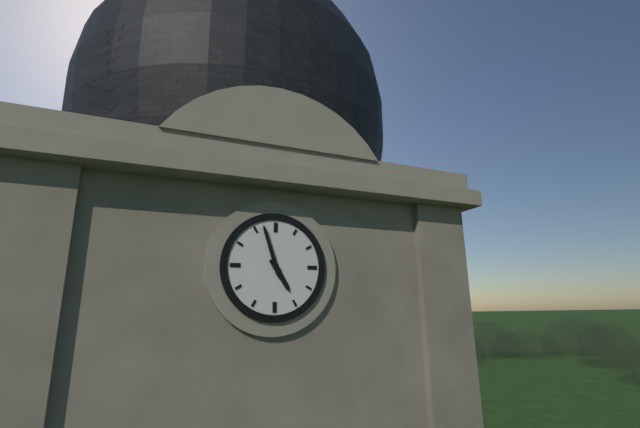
4:57
